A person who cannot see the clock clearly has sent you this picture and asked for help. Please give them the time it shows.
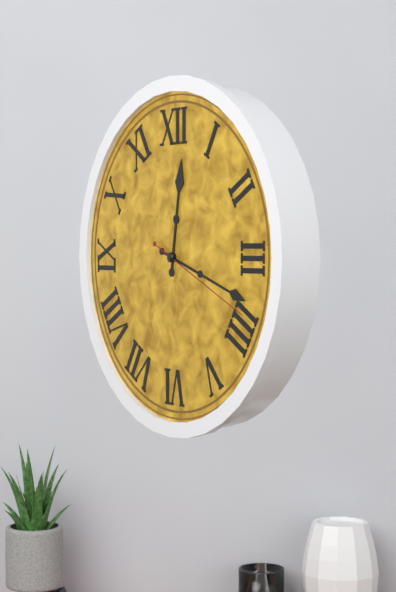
12:18:19
